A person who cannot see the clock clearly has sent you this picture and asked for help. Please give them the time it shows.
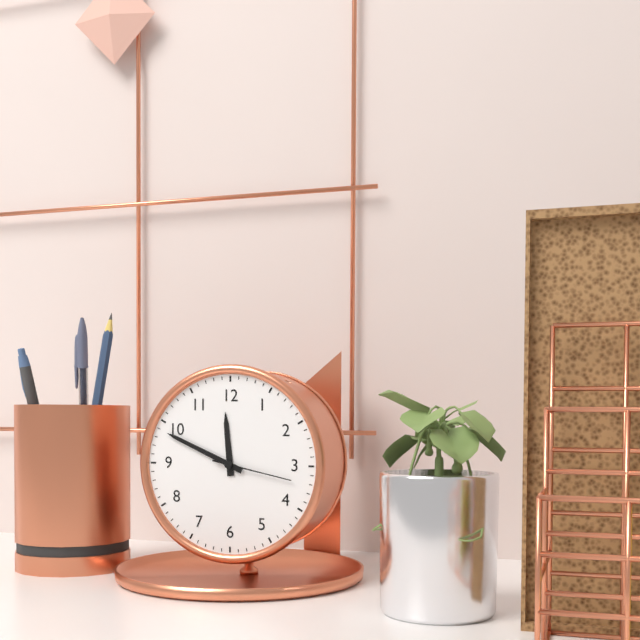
11:49:17
